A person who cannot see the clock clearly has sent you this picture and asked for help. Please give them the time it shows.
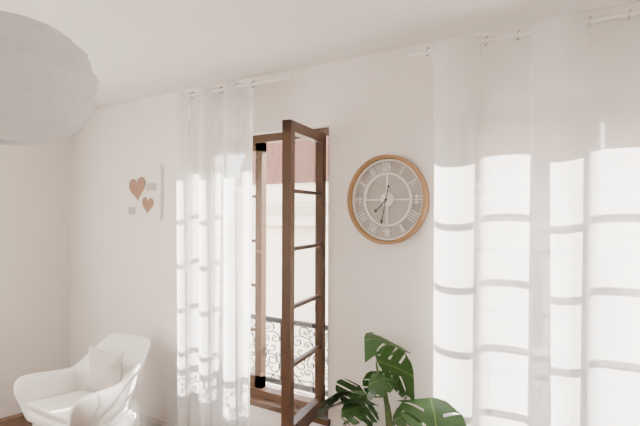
7:32
